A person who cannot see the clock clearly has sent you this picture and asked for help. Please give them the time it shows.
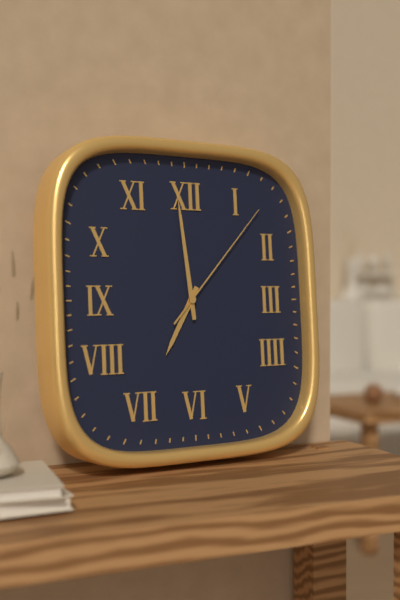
6:59:07
